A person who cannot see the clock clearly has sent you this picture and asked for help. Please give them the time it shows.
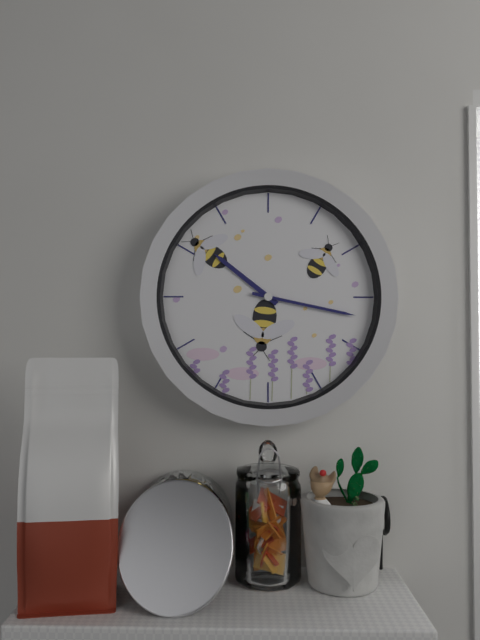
10:17
